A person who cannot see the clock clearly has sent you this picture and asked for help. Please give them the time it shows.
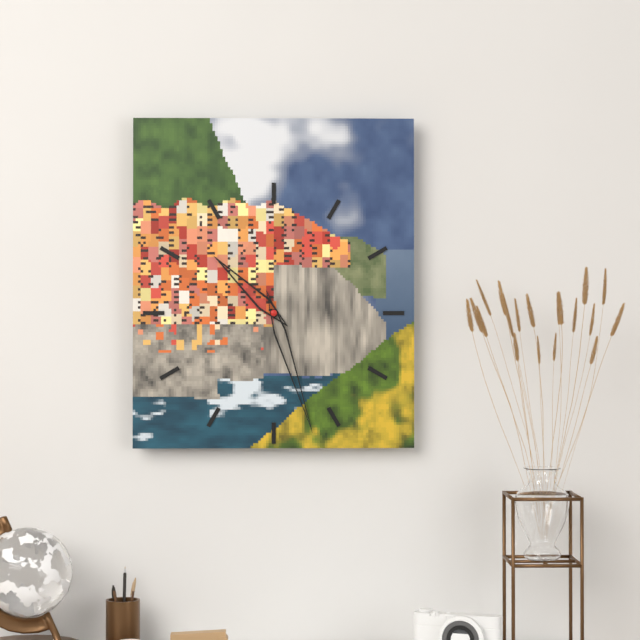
10:27
